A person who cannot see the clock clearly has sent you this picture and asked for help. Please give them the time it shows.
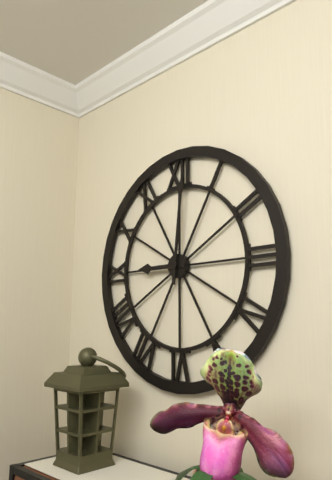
9:01
